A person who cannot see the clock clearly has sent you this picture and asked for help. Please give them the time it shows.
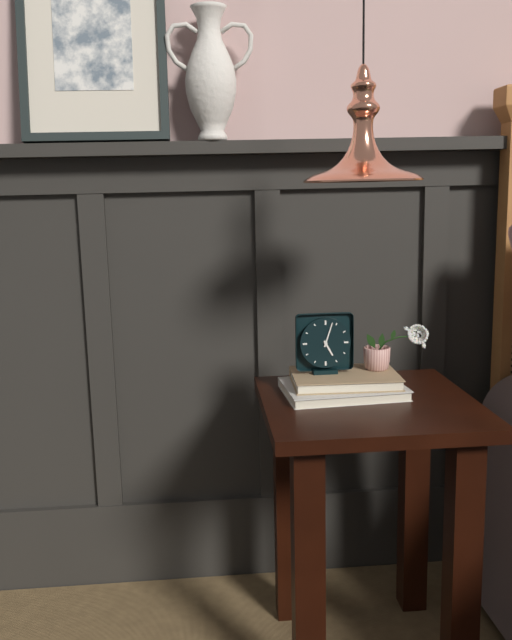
5:03
